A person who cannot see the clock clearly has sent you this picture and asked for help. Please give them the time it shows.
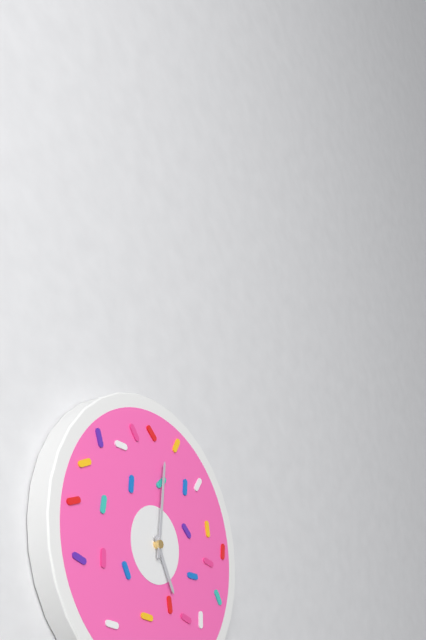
5:01
